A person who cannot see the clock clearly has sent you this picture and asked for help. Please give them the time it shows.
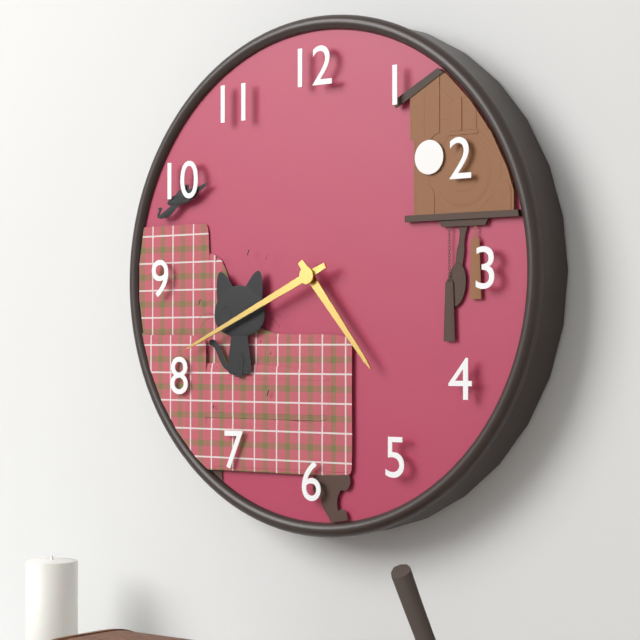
4:41
